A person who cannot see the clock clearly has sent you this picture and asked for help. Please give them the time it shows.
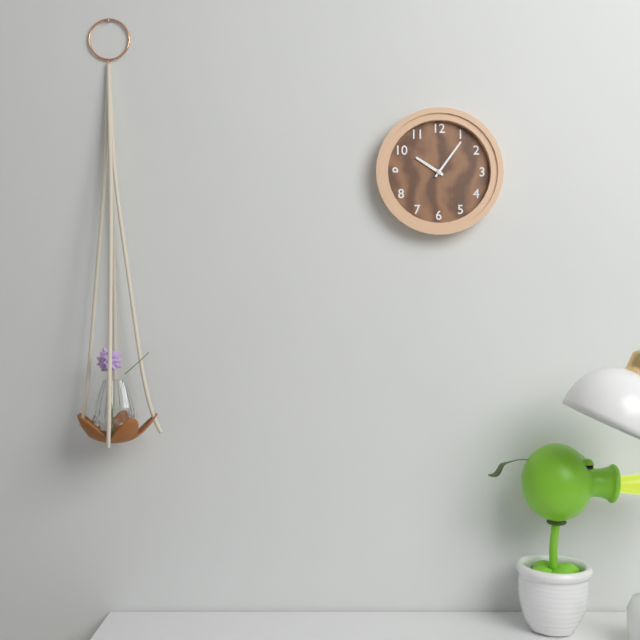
10:06
